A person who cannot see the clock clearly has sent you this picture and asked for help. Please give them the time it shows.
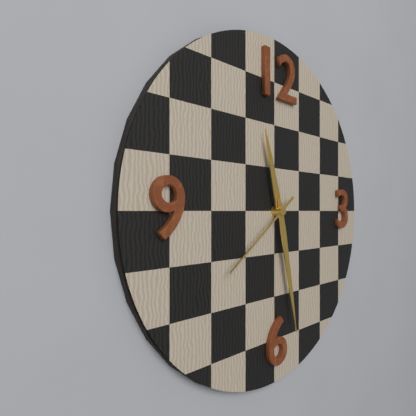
11:28:39
